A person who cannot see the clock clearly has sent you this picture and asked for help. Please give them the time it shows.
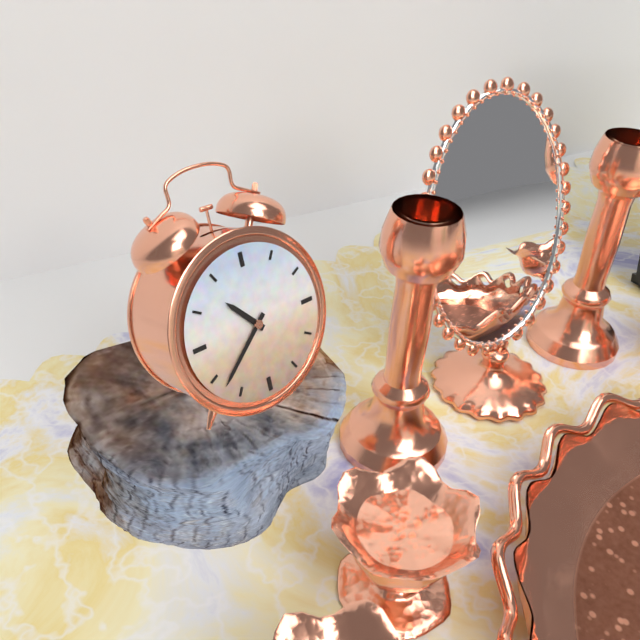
10:38
